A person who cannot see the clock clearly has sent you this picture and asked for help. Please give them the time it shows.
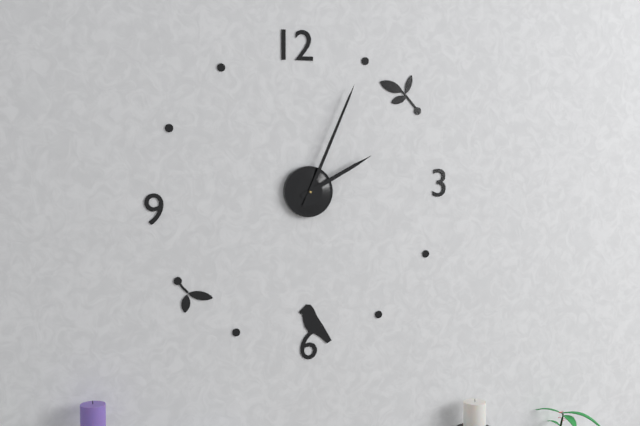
2:04
